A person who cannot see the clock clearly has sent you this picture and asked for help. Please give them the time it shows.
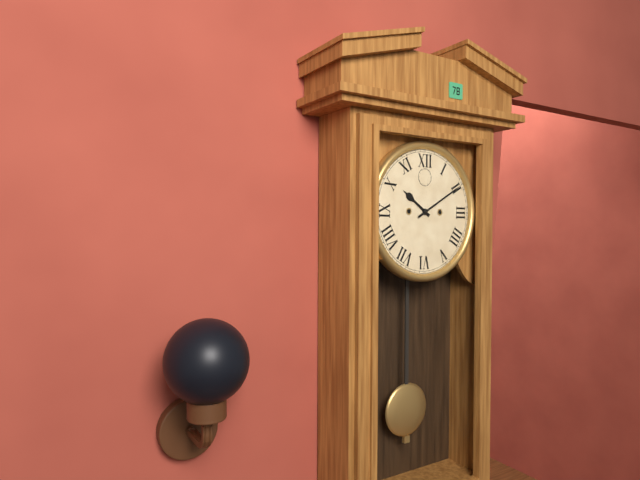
10:10
